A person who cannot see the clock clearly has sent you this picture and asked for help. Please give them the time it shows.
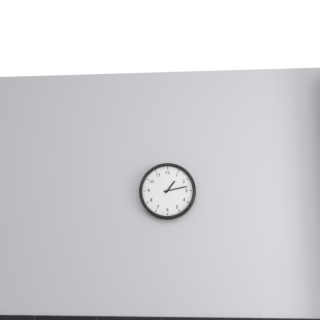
1:13
